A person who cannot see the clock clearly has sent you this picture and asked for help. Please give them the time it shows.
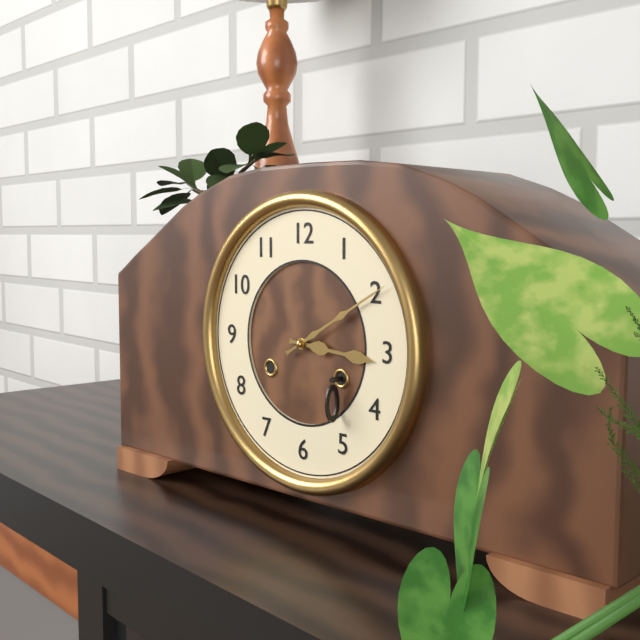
3:10
